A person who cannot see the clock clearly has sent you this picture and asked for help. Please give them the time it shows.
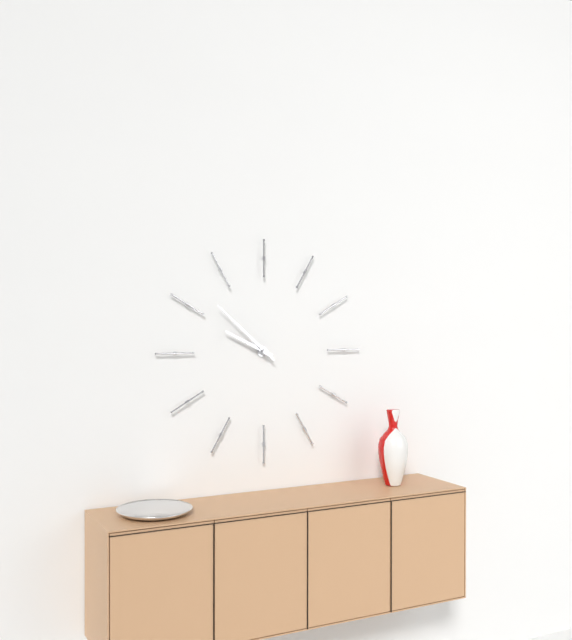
9:52
